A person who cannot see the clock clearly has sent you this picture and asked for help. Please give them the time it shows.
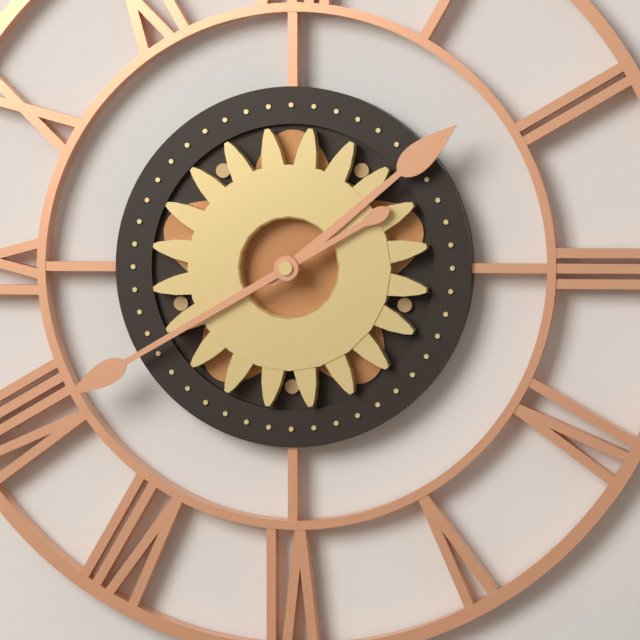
1:40
